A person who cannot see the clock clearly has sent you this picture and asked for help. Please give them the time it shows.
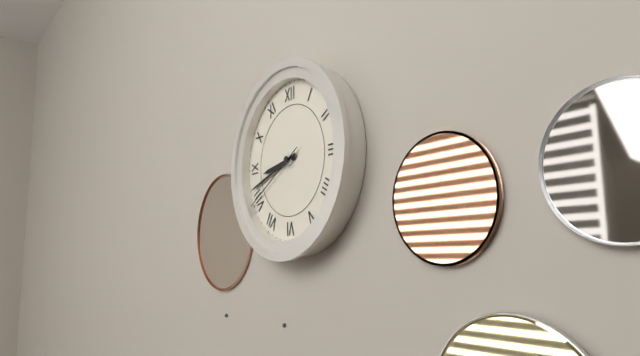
8:42:40
